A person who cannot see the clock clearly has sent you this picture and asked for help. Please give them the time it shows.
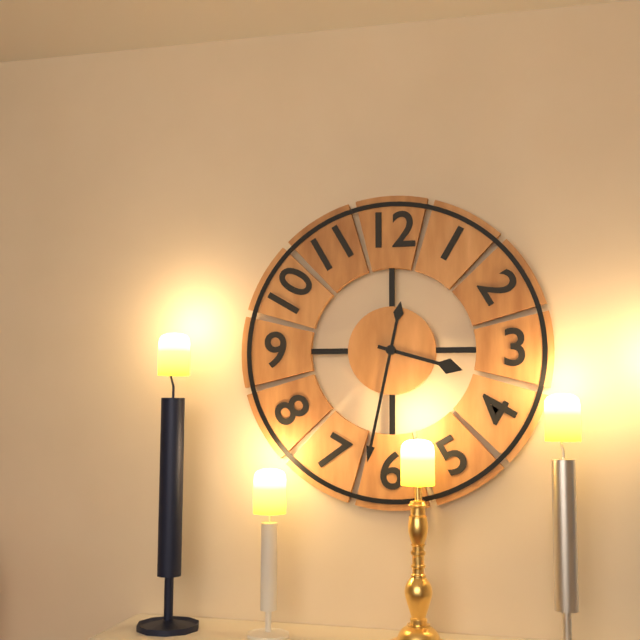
3:32
